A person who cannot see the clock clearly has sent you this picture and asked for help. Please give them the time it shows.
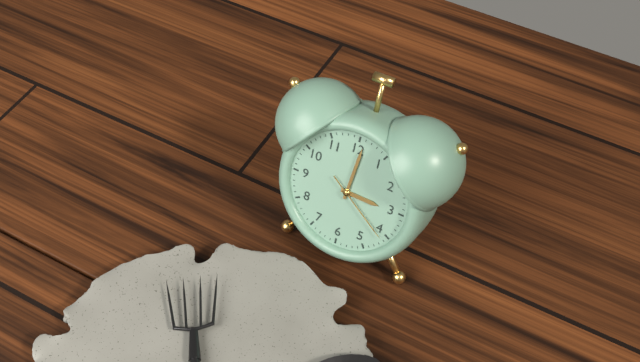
3:01:21
